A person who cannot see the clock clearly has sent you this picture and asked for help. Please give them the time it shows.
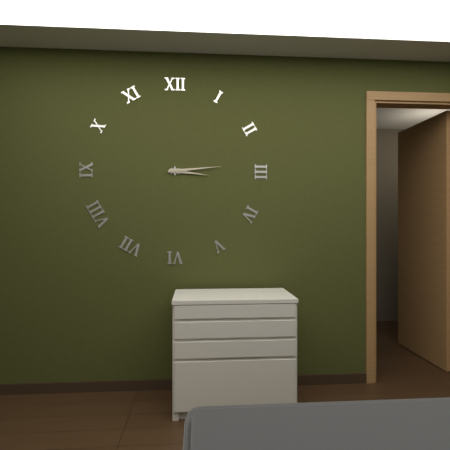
3:14
